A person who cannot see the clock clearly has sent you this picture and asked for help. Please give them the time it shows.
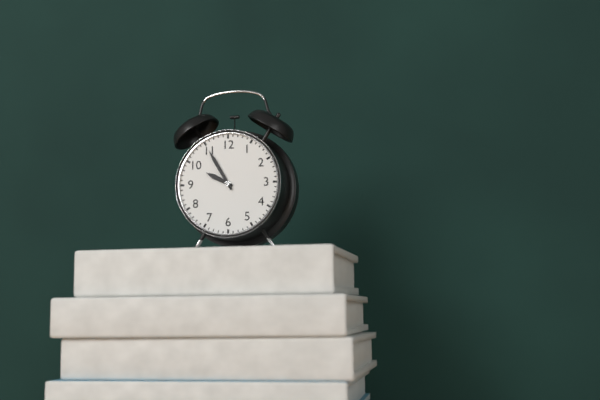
9:55
